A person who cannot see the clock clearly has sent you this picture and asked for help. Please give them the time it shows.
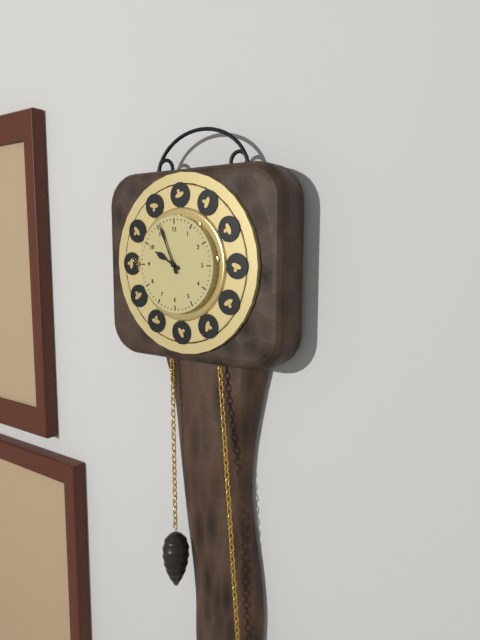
9:56
